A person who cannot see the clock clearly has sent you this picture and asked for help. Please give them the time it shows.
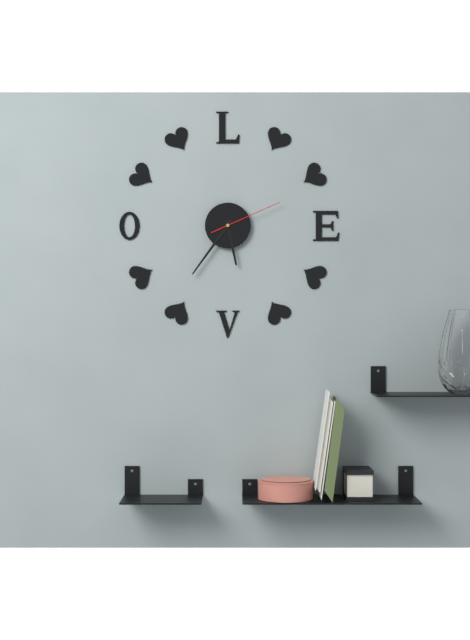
5:36:11
